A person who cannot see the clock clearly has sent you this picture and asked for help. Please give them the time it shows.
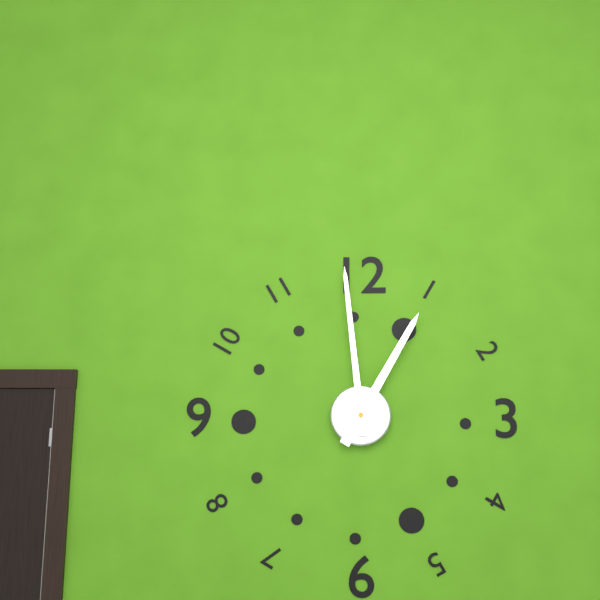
12:59
